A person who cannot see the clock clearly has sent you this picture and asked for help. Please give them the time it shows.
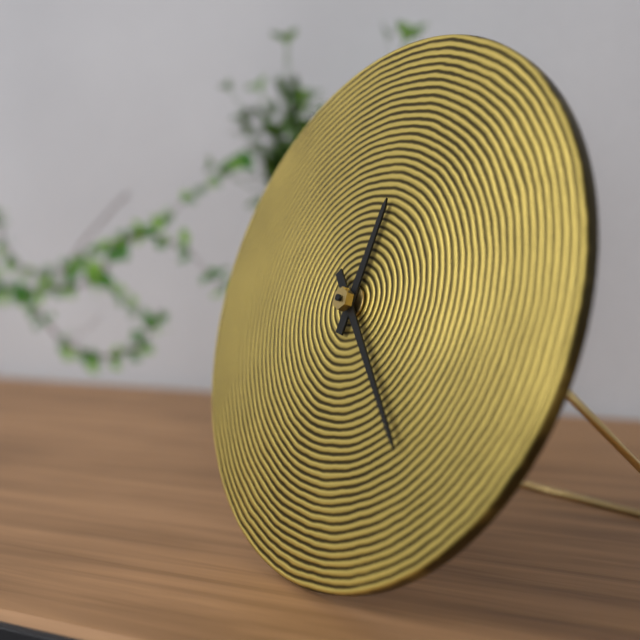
12:23
